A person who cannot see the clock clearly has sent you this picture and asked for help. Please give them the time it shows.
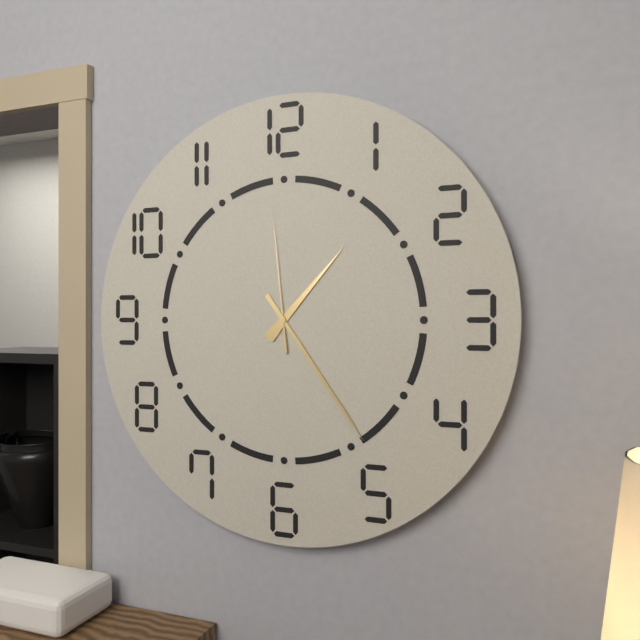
1:24:59
